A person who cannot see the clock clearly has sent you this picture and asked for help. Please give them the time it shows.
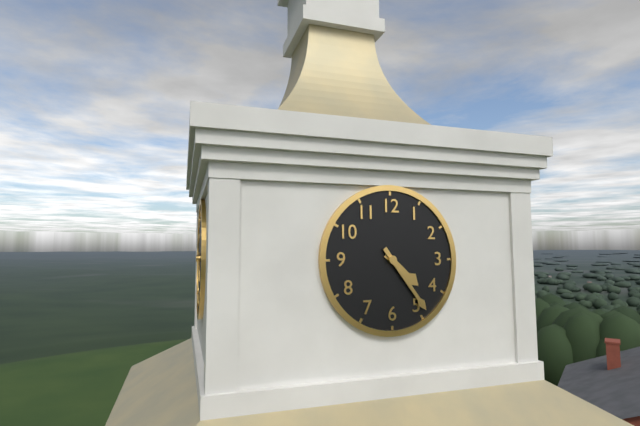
4:24
